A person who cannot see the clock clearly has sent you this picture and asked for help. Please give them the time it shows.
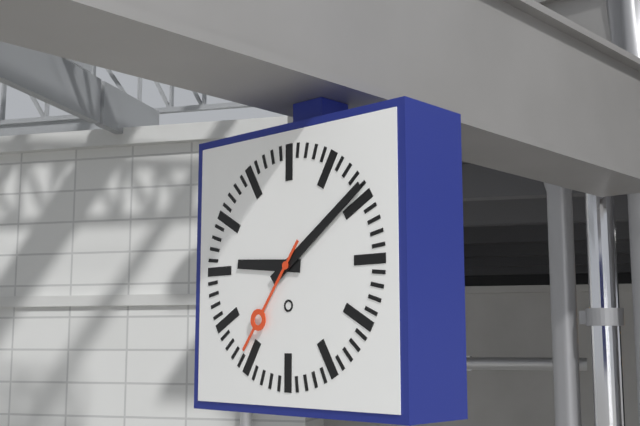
9:09:36
